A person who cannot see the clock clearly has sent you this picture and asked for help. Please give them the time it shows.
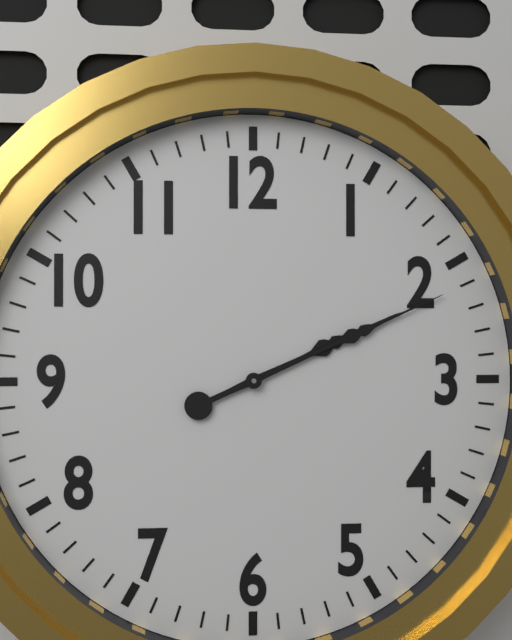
2:11
